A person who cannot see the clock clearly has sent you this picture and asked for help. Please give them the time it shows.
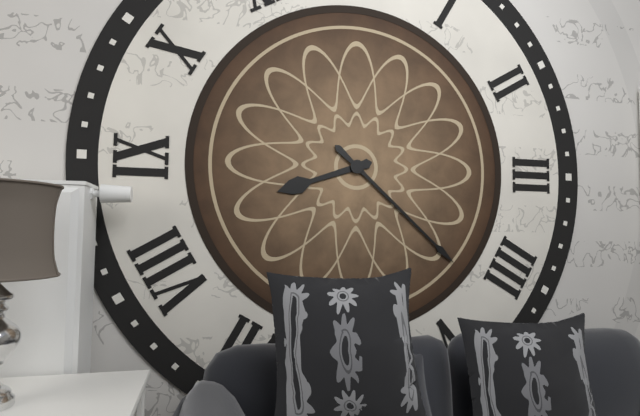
8:22
